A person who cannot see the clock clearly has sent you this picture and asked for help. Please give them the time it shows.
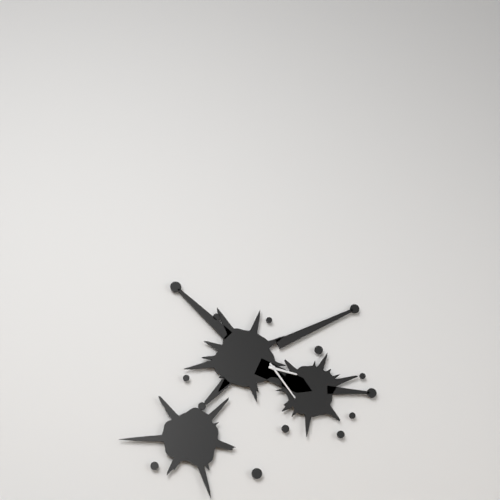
3:24
